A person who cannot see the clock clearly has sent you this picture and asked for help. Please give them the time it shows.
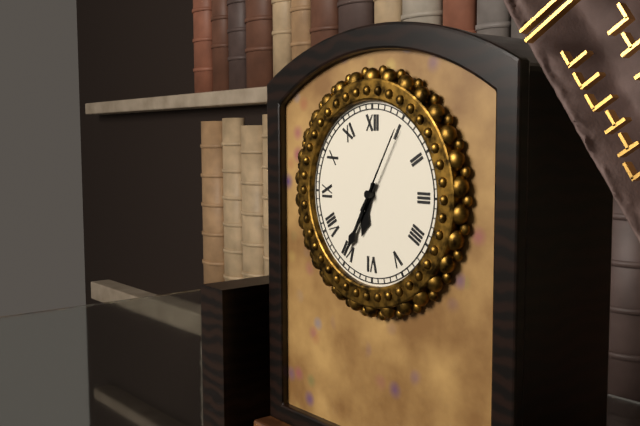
6:35:05
